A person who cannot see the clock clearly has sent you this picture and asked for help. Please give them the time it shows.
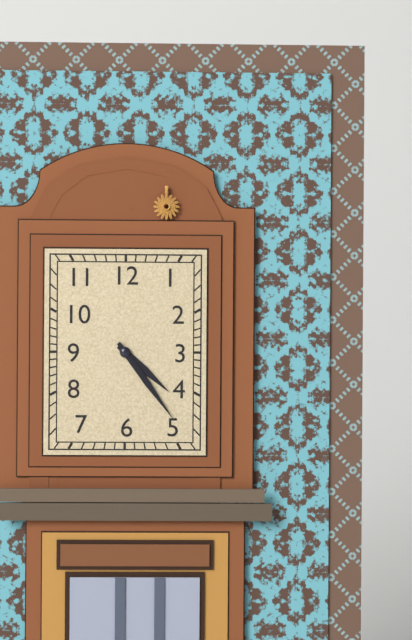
4:24
